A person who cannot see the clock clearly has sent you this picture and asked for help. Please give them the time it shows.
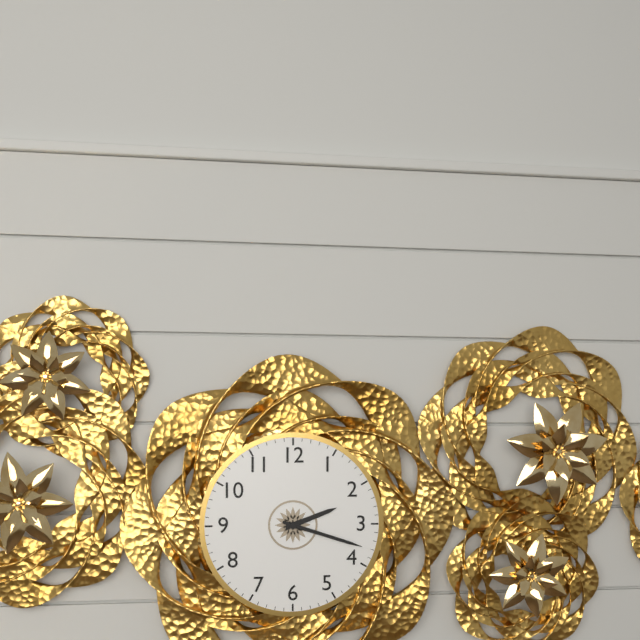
2:18
